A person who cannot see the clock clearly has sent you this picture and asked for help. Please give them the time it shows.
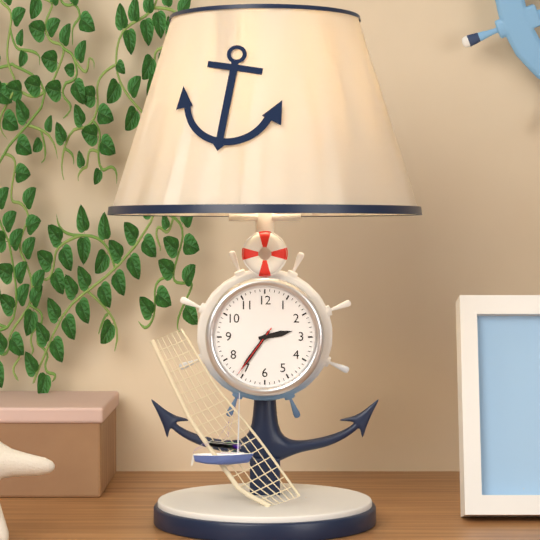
2:36:36
